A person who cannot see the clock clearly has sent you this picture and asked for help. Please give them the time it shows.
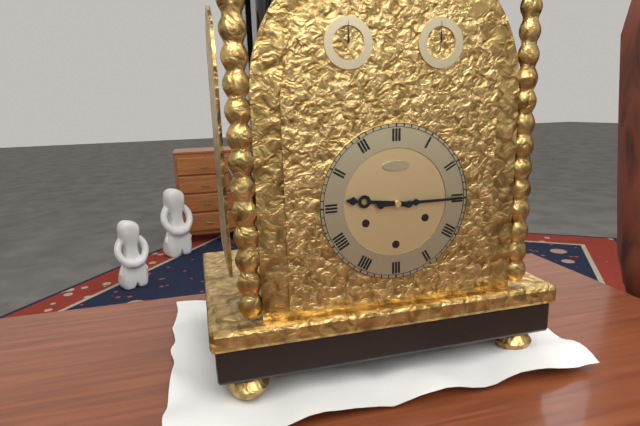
9:15
